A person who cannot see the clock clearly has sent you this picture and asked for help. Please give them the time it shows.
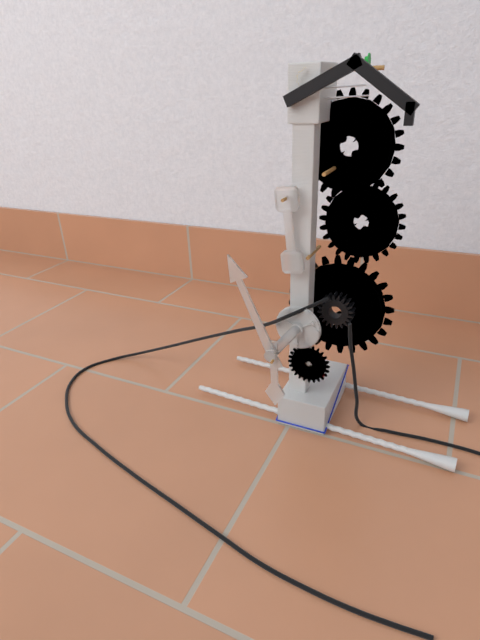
5:56
